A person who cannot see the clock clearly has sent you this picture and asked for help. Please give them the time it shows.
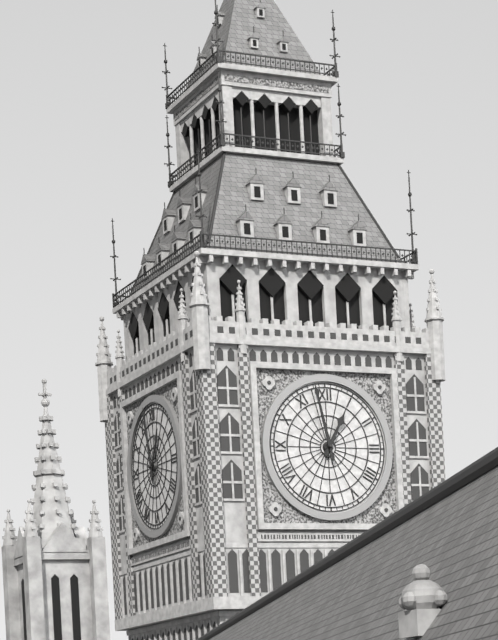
12:58
